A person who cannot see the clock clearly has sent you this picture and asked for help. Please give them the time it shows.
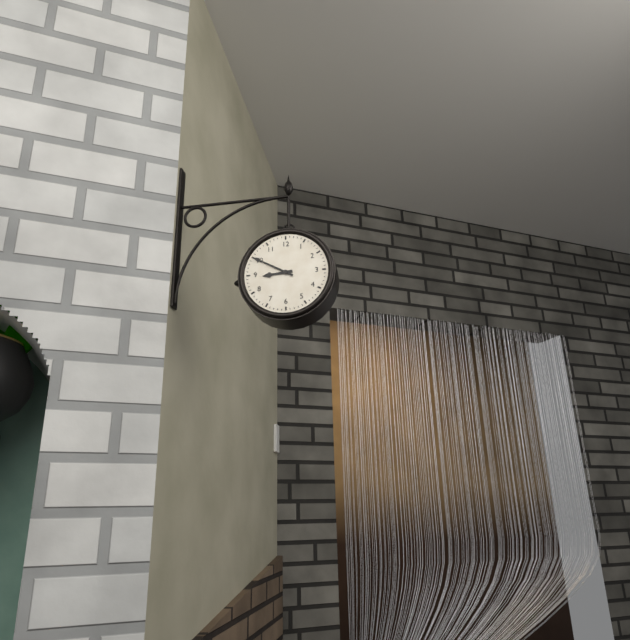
8:50
